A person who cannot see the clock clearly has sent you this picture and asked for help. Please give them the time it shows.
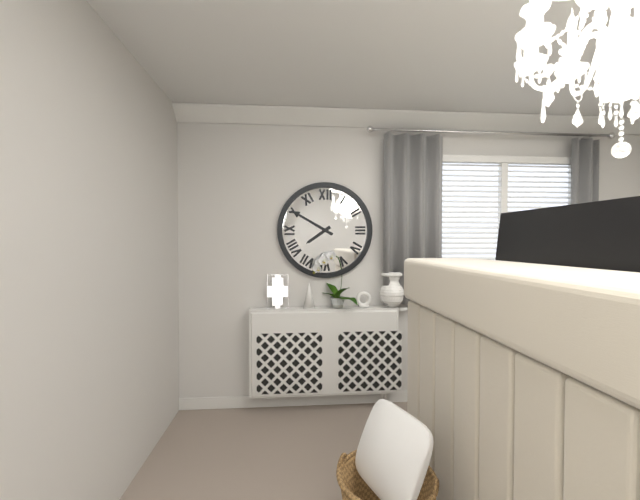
7:50
